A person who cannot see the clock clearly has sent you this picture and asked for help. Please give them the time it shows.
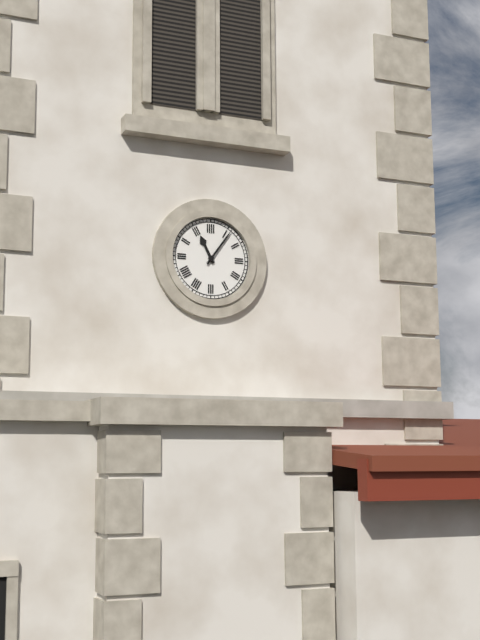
11:06
